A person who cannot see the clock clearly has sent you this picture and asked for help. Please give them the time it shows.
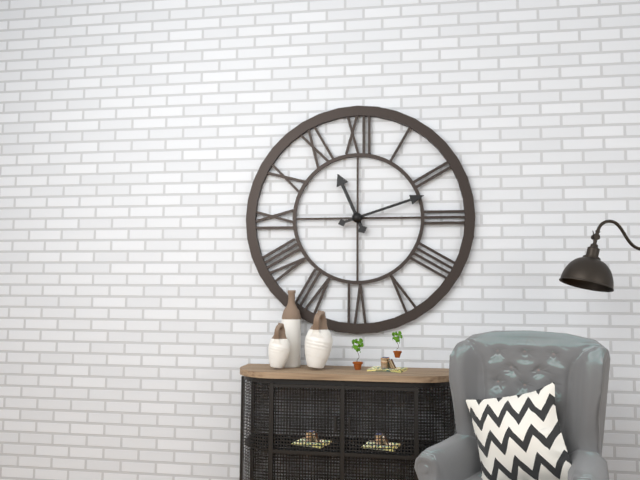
11:12
